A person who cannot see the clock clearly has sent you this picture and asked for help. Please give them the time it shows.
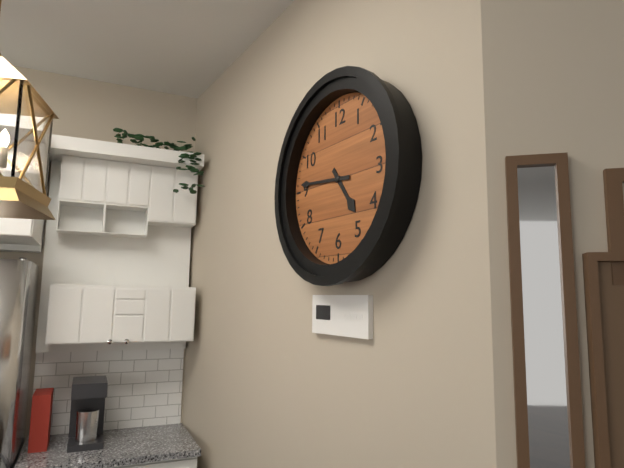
4:46
